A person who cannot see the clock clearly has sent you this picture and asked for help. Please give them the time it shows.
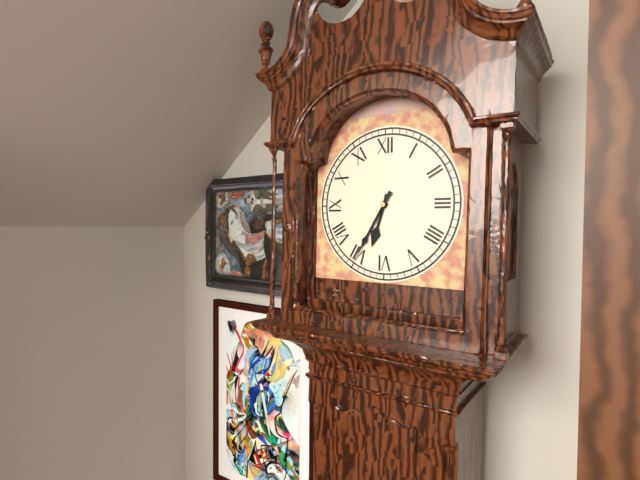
6:35
